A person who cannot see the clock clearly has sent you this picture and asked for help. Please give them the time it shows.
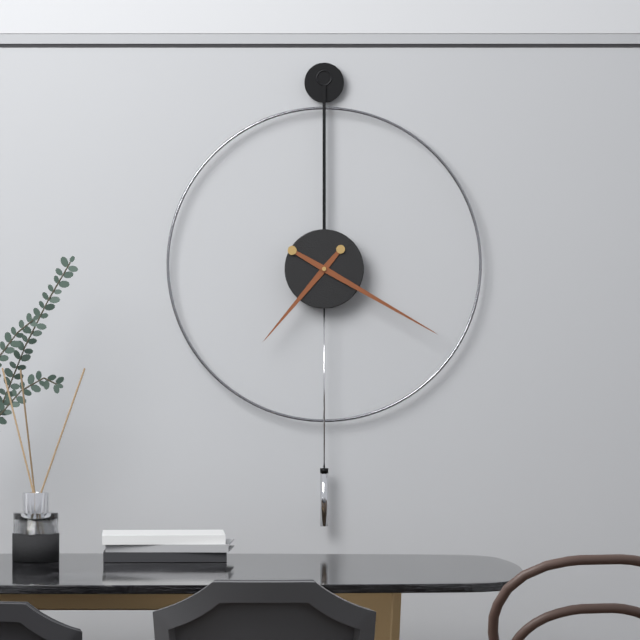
7:20
